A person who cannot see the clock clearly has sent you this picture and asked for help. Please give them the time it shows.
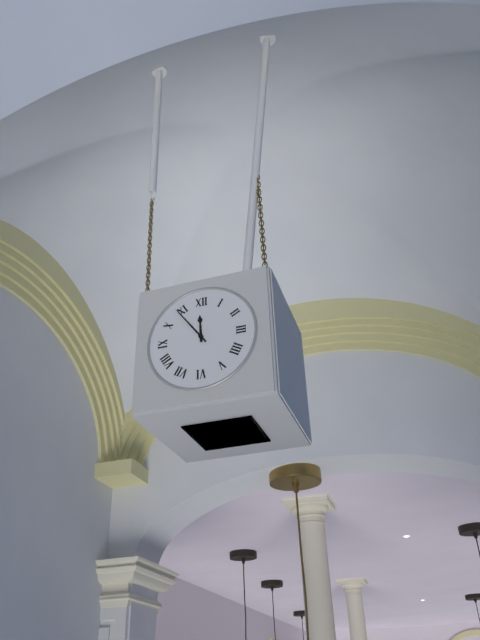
11:54
